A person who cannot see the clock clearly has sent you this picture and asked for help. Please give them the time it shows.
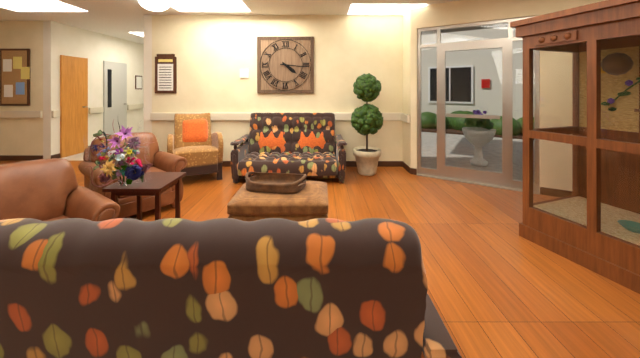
4:16
